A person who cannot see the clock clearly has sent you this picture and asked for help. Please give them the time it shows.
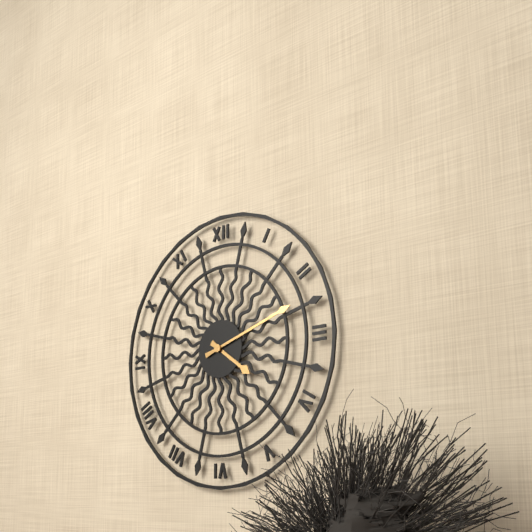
4:12
